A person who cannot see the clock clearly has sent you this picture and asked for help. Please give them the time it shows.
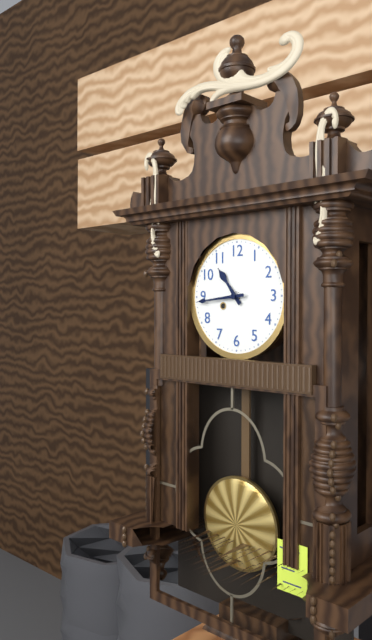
10:44
